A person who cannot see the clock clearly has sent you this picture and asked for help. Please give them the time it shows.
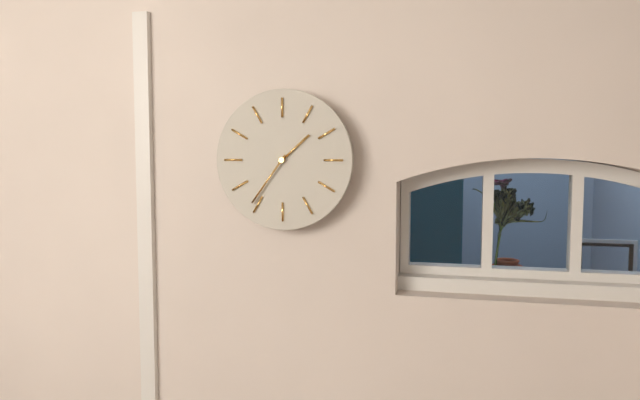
1:36
